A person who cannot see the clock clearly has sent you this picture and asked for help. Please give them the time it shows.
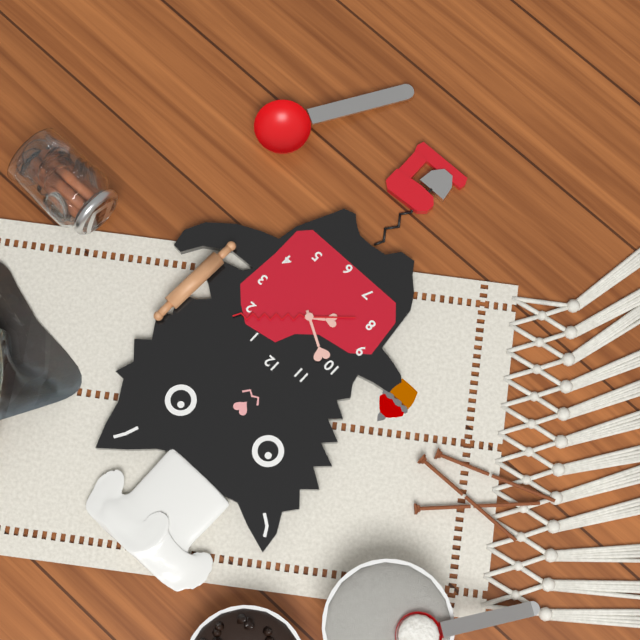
7:50:08
